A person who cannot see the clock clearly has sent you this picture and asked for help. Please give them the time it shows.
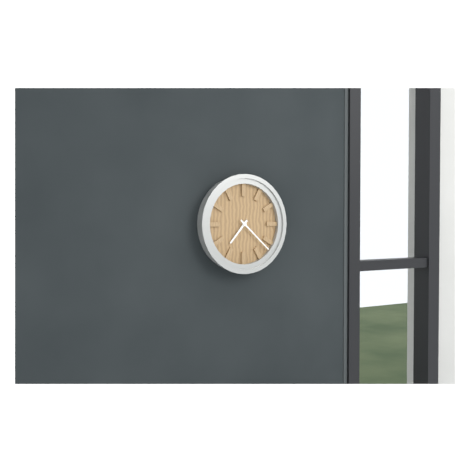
7:22
